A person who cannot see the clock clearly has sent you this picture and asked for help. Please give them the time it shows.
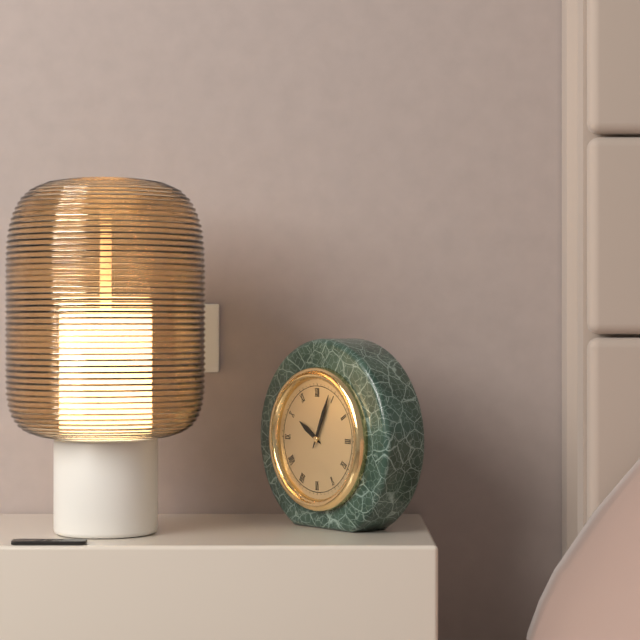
10:04
